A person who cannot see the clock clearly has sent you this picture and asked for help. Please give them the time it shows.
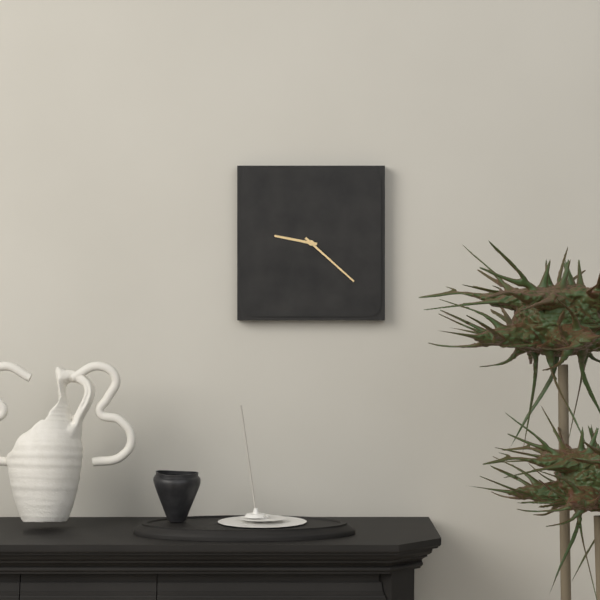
9:22
